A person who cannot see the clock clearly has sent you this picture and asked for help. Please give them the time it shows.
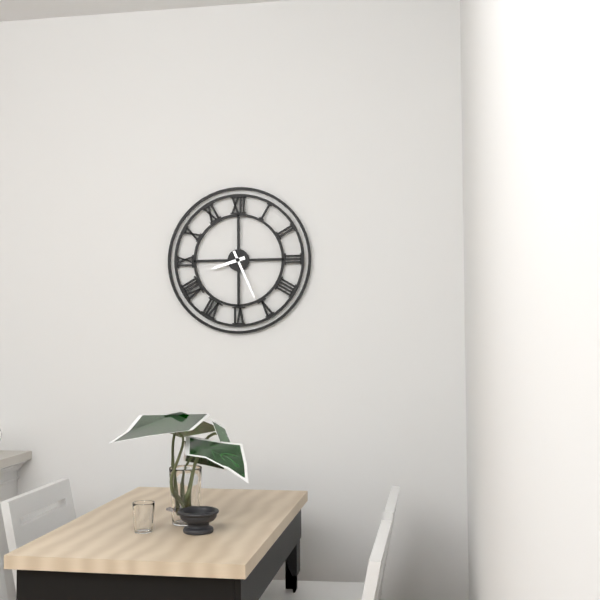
8:26
